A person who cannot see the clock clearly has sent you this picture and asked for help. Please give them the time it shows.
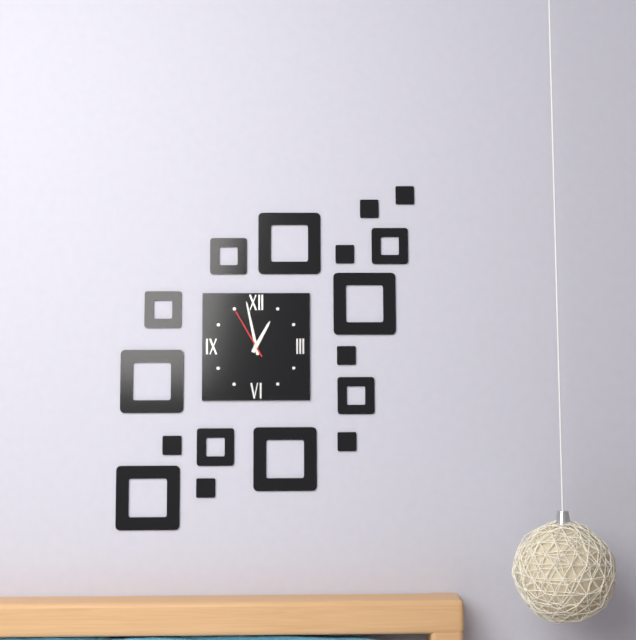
12:58:55
